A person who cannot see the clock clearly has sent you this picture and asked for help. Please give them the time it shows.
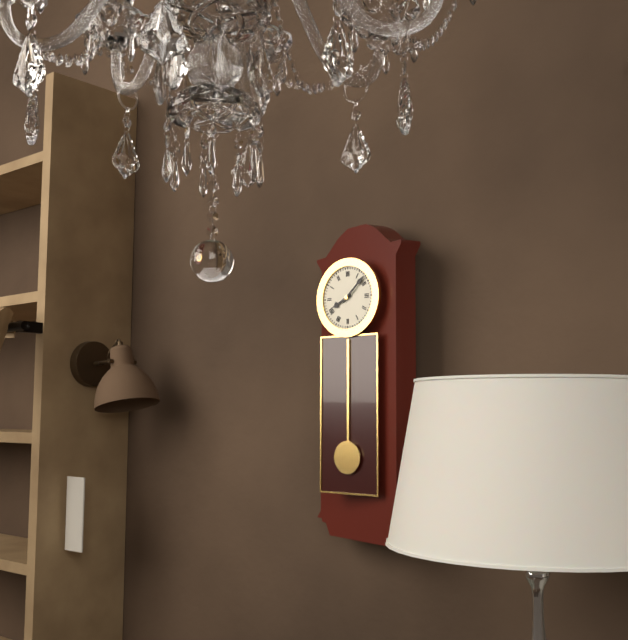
8:08
